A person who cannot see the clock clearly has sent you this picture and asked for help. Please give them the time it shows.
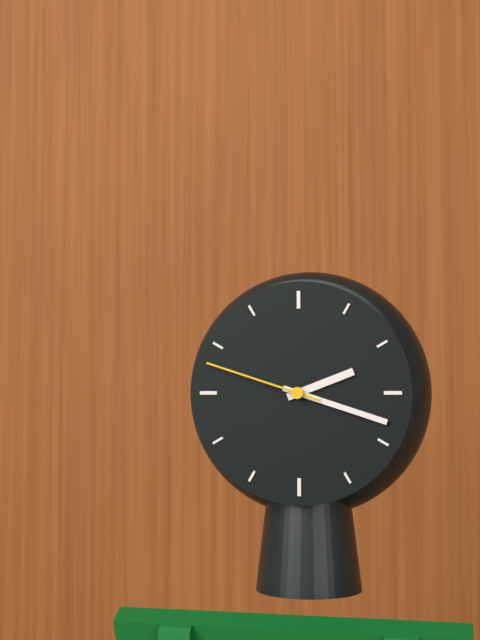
2:18:48
